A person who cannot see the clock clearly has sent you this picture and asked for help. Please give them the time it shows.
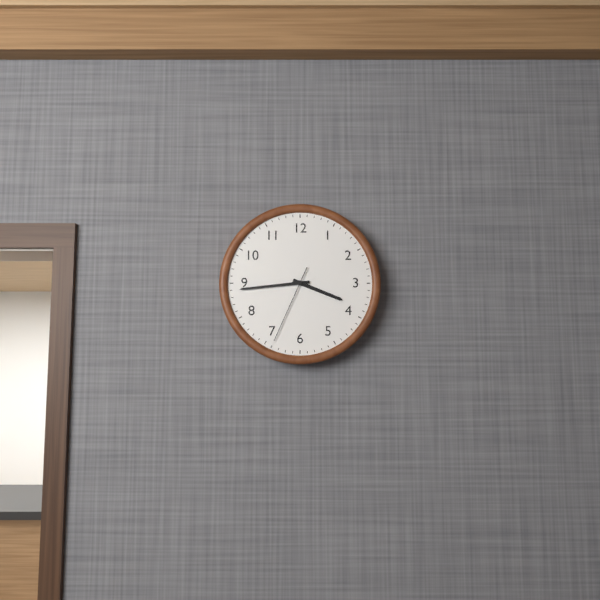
3:44:34
